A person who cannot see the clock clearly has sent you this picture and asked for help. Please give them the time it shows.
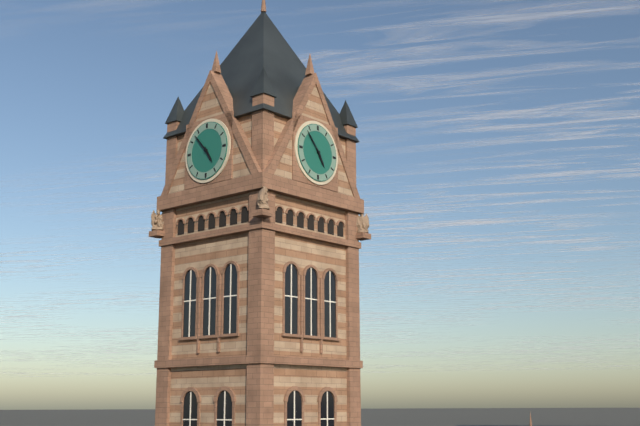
4:53
